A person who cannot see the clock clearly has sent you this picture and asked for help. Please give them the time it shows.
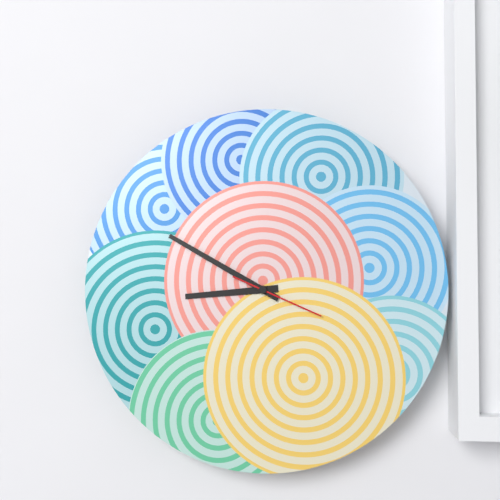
8:50:19
